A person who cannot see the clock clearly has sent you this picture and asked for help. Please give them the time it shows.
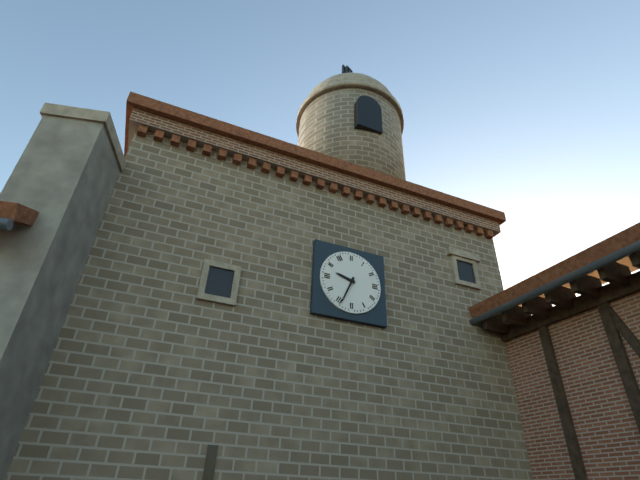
9:34
